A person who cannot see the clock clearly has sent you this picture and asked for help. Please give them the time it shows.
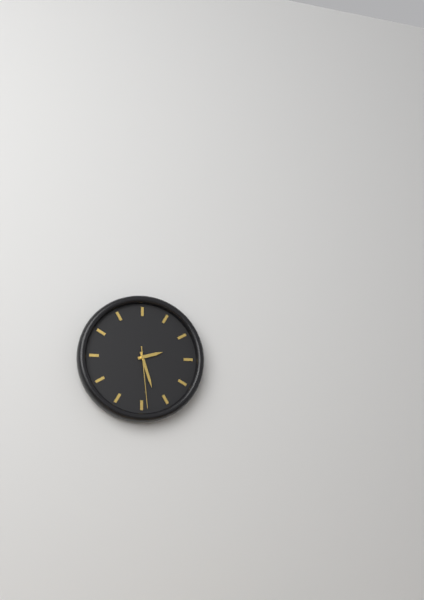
2:27:29
